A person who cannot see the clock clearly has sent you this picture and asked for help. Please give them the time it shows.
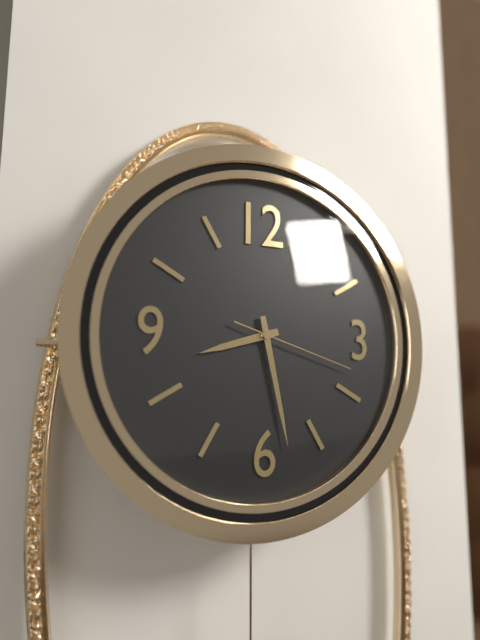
8:28:18
